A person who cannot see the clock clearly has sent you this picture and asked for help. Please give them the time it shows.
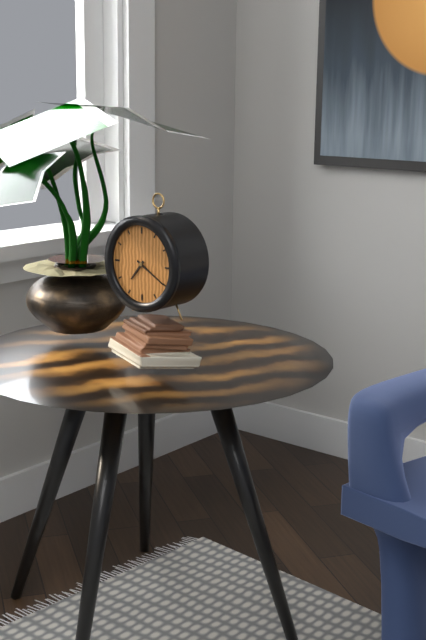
7:20
